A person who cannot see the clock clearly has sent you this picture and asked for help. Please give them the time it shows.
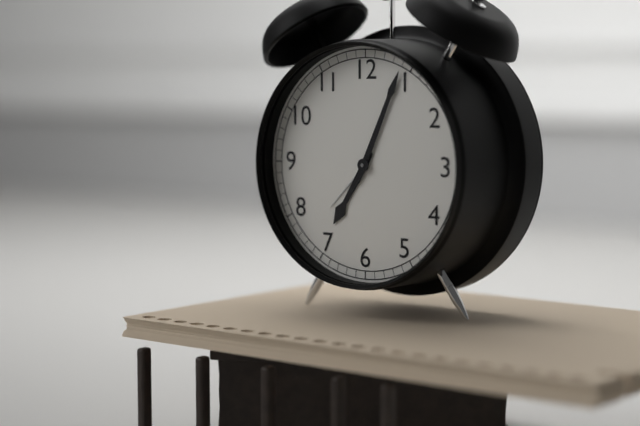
7:04
